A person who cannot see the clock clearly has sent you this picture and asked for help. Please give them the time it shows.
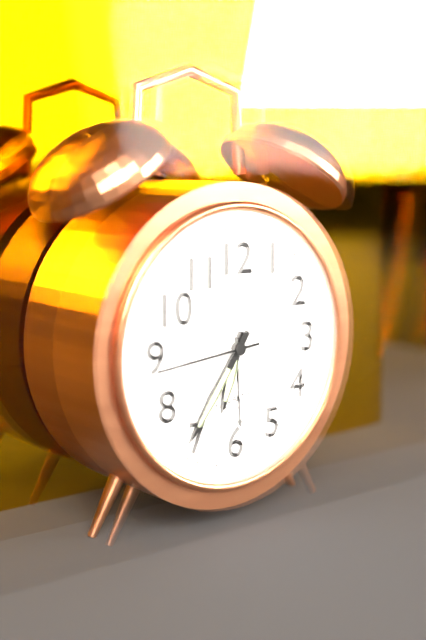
6:36:44
